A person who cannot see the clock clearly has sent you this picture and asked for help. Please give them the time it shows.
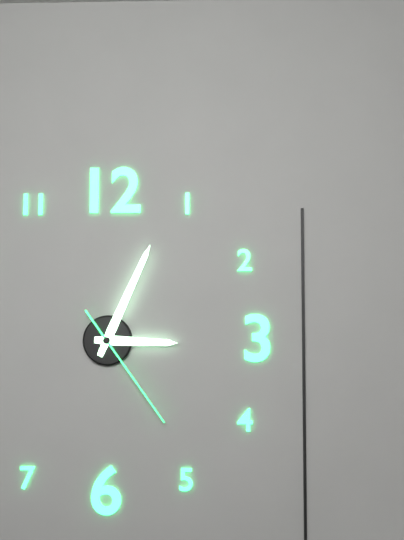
3:04:24
